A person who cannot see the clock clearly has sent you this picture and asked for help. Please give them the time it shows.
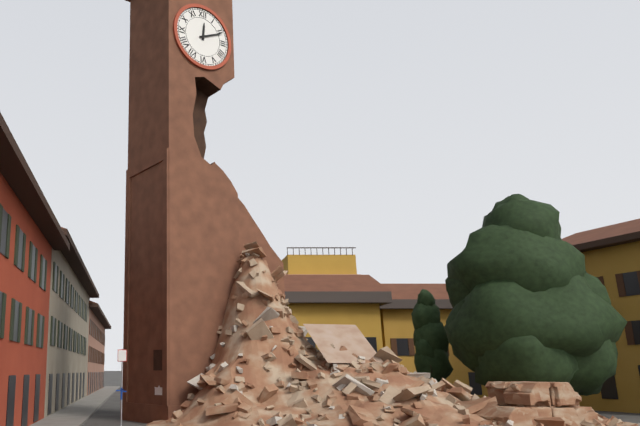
12:11
